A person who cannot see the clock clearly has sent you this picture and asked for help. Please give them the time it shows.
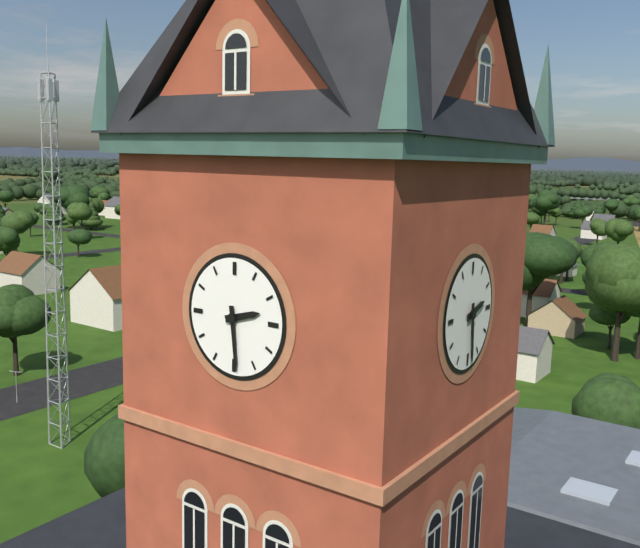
2:29
